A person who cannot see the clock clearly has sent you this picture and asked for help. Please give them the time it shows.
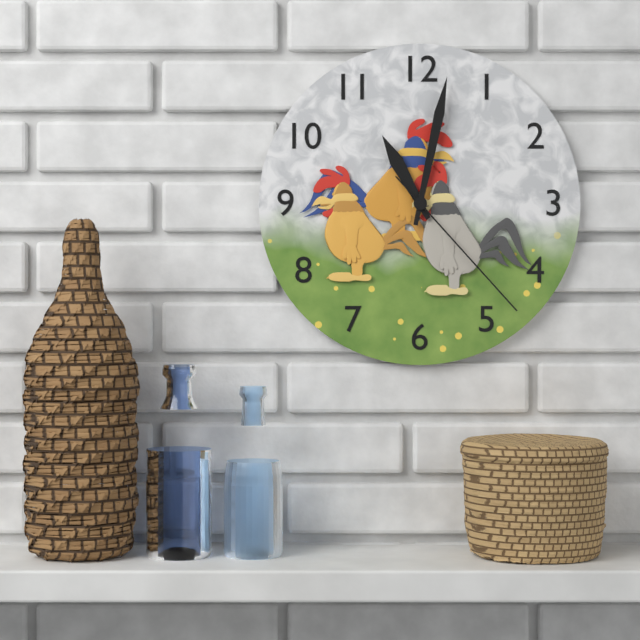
11:02:23
